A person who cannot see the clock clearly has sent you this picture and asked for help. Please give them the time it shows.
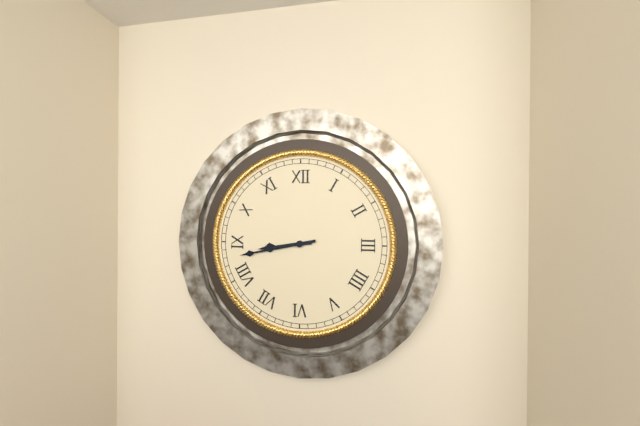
8:43
